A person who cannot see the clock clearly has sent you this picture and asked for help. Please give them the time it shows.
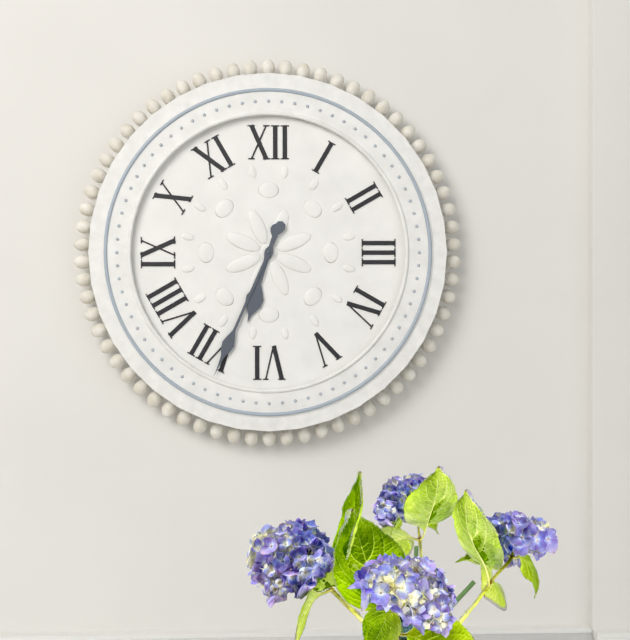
6:34
